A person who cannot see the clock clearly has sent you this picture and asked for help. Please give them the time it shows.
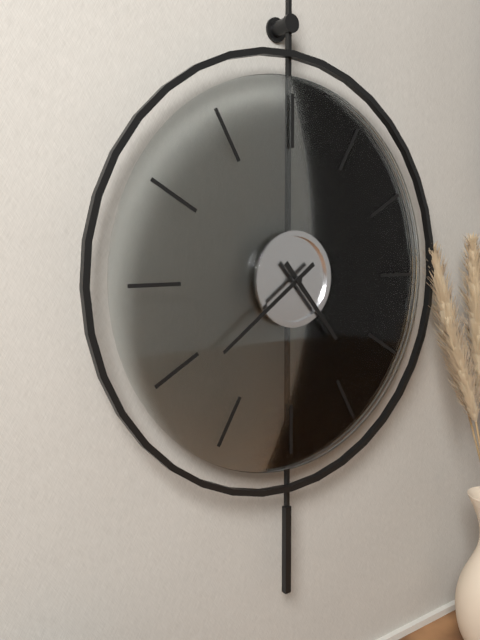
4:39
